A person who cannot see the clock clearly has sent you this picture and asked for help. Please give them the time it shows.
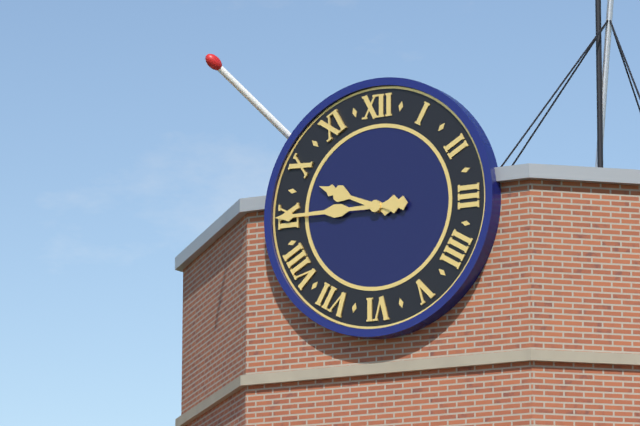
9:45
